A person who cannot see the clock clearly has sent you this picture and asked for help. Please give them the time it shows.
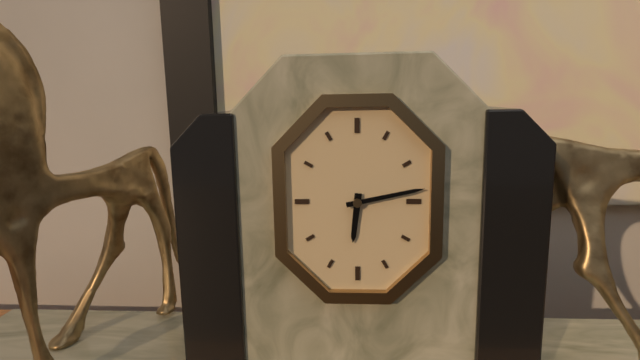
6:13
